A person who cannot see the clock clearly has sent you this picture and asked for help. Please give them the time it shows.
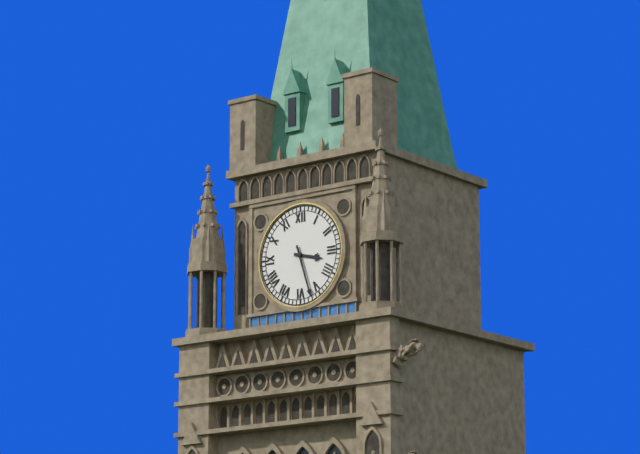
3:27
